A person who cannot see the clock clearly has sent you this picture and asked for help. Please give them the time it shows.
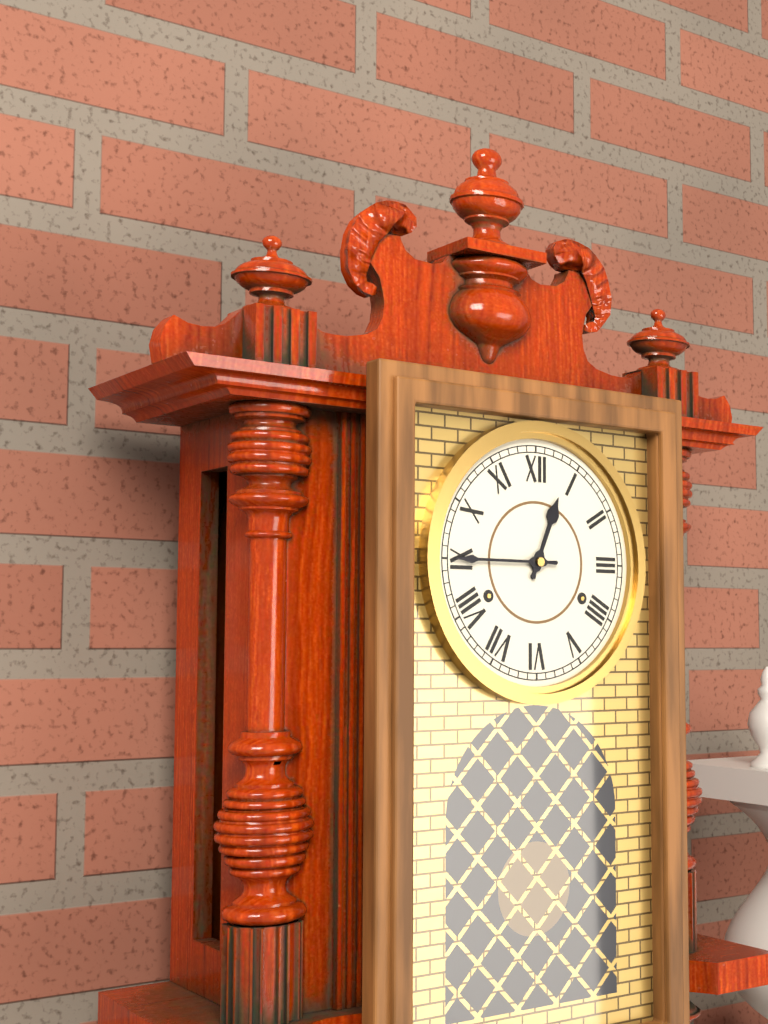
12:45
